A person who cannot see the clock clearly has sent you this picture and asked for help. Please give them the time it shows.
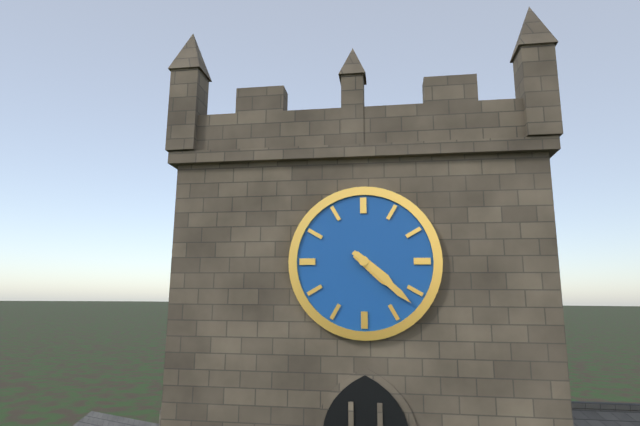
4:22
